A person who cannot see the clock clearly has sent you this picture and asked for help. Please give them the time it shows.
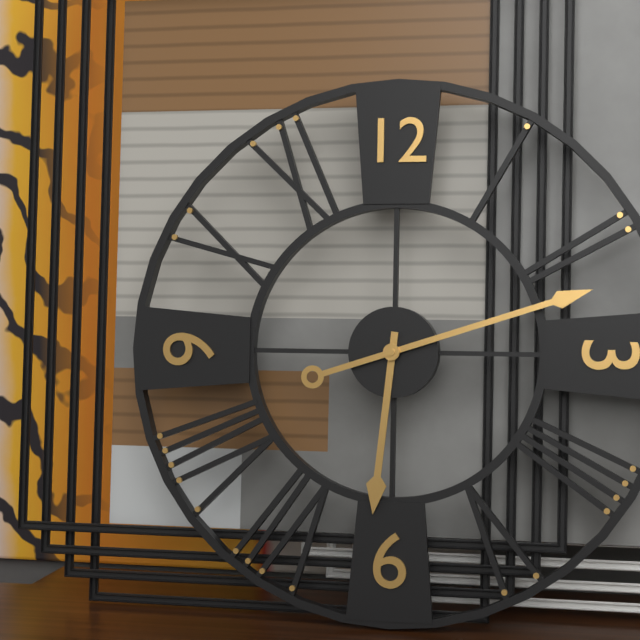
6:12
